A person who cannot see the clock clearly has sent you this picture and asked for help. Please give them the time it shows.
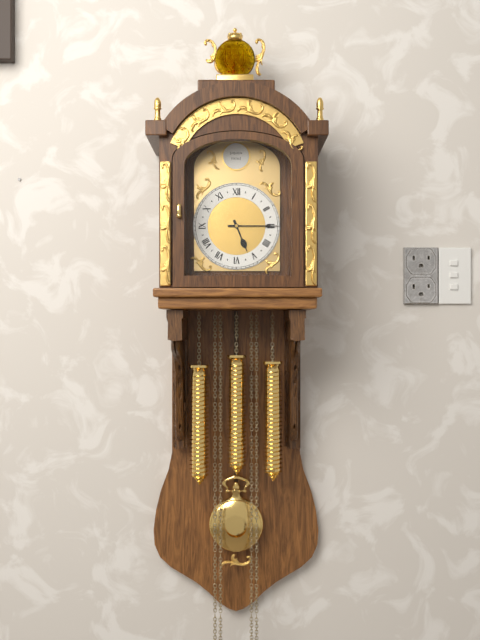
5:15
